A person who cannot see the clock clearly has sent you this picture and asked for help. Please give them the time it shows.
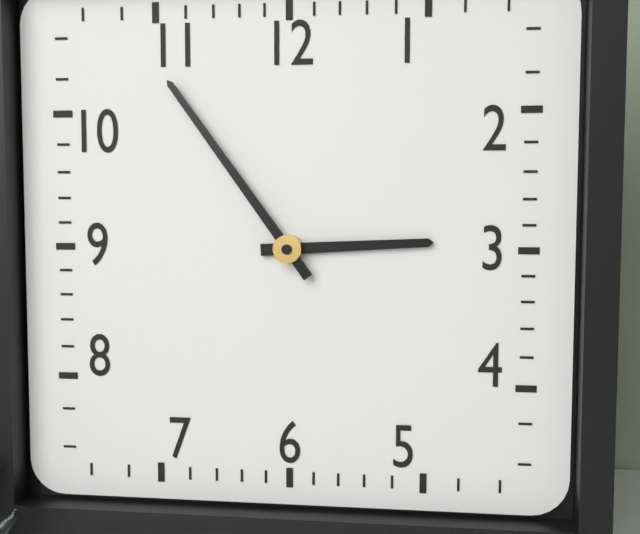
2:54
